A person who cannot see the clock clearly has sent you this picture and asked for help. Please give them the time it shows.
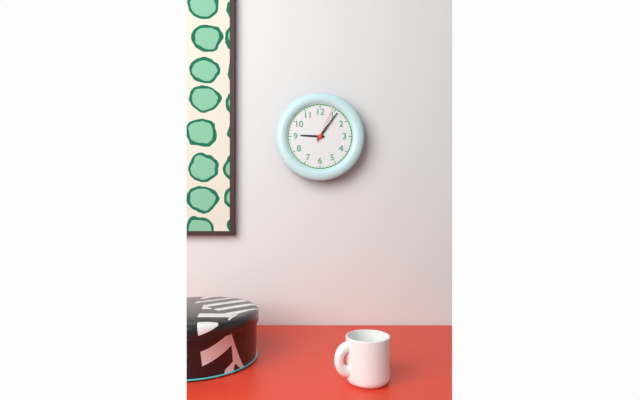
9:06
